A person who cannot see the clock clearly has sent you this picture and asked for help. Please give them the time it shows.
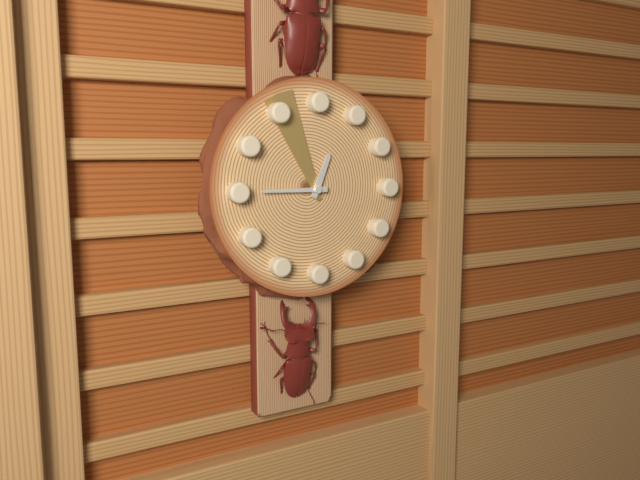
12:45:56
